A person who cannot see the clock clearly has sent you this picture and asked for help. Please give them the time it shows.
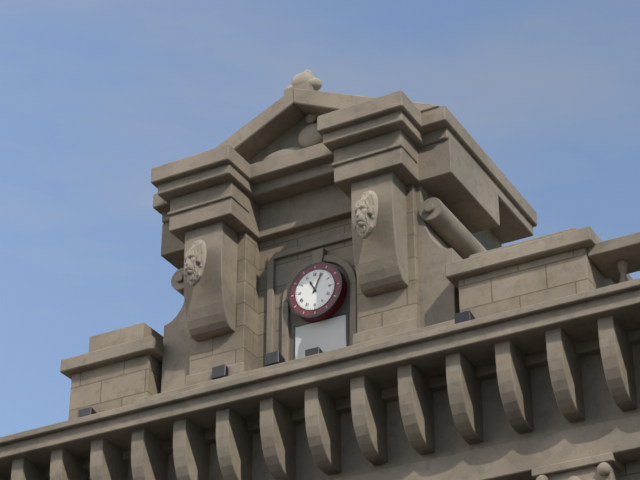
11:04
